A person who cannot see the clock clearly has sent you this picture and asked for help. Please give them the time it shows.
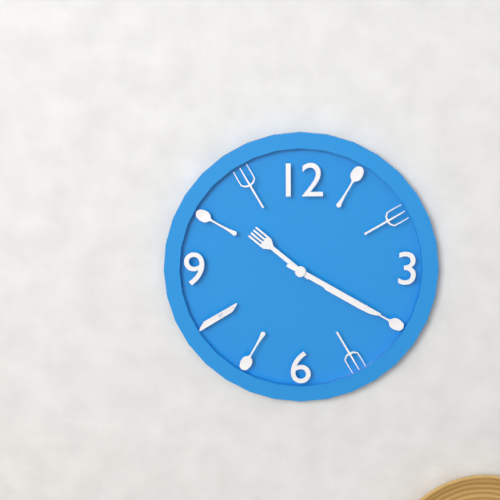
10:20
